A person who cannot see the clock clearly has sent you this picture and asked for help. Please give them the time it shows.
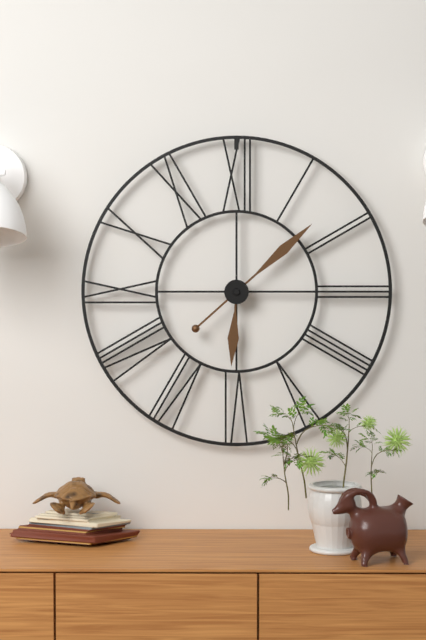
6:08
